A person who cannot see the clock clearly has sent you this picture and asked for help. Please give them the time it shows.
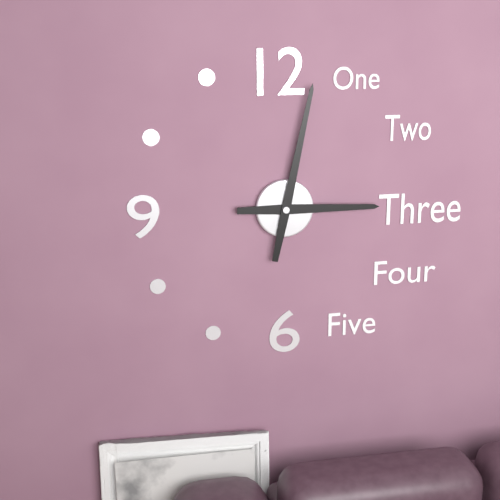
3:02
